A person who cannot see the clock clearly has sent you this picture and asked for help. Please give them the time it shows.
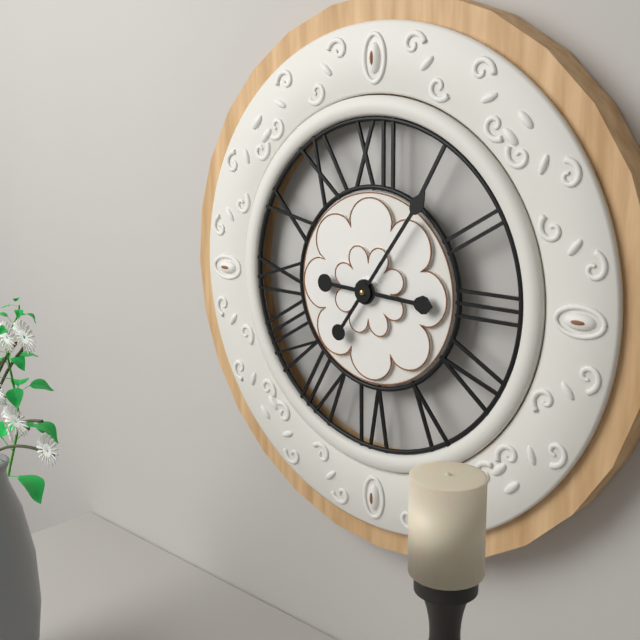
3:06
